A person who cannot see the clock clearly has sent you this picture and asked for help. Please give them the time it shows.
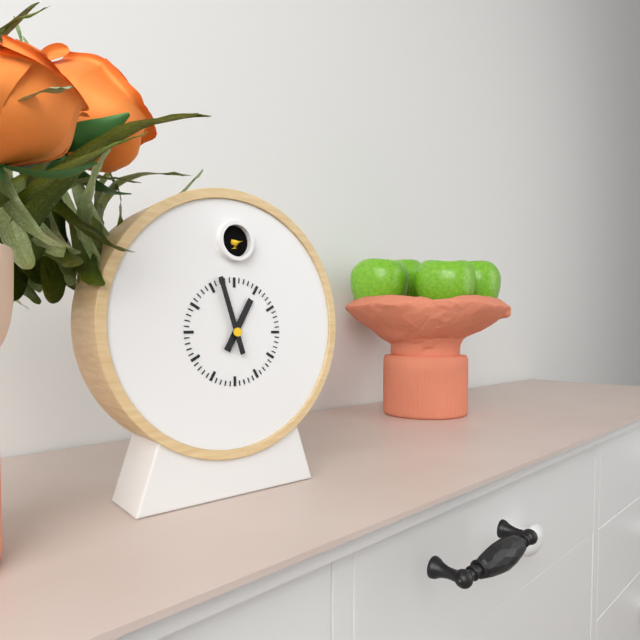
12:57
